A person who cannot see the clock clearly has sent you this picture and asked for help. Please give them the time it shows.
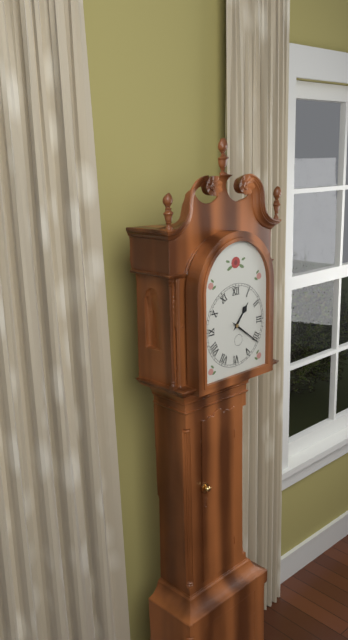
1:21
